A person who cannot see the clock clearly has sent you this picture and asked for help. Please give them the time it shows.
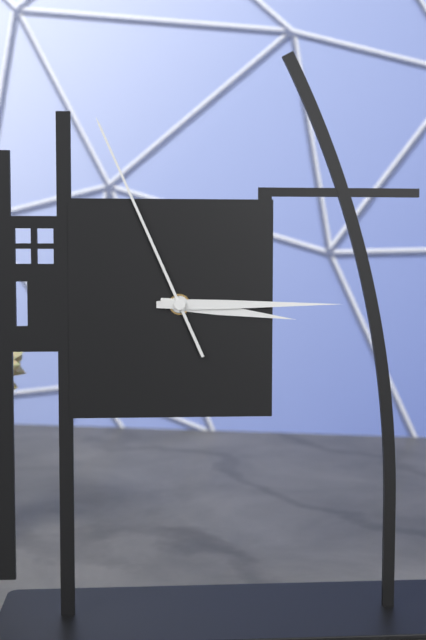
3:15:56
